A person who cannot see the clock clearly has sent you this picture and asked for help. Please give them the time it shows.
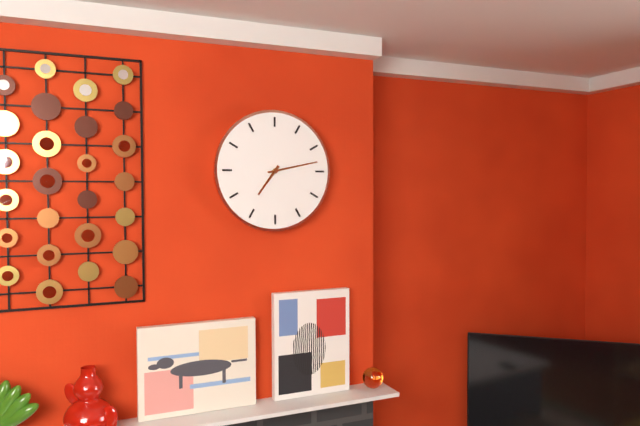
7:13
